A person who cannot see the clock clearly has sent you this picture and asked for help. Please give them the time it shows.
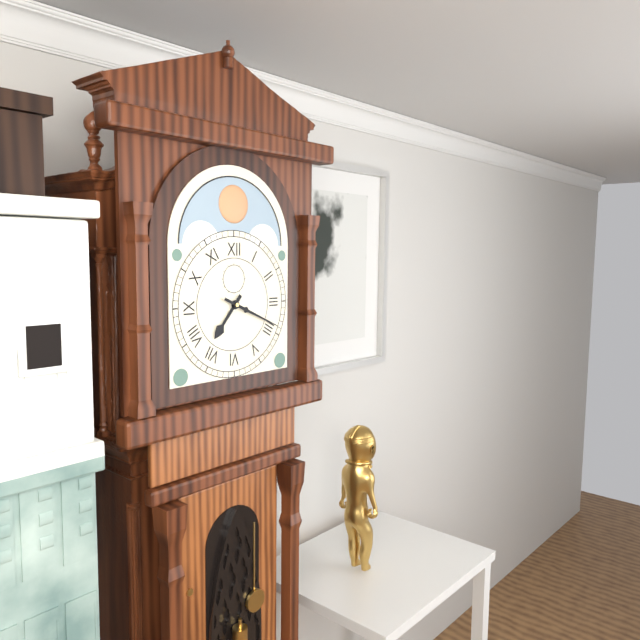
7:19
